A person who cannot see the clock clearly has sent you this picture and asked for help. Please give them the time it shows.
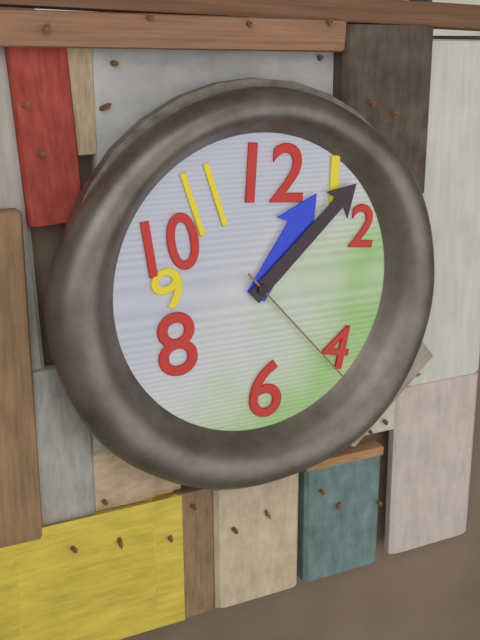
1:08:23
